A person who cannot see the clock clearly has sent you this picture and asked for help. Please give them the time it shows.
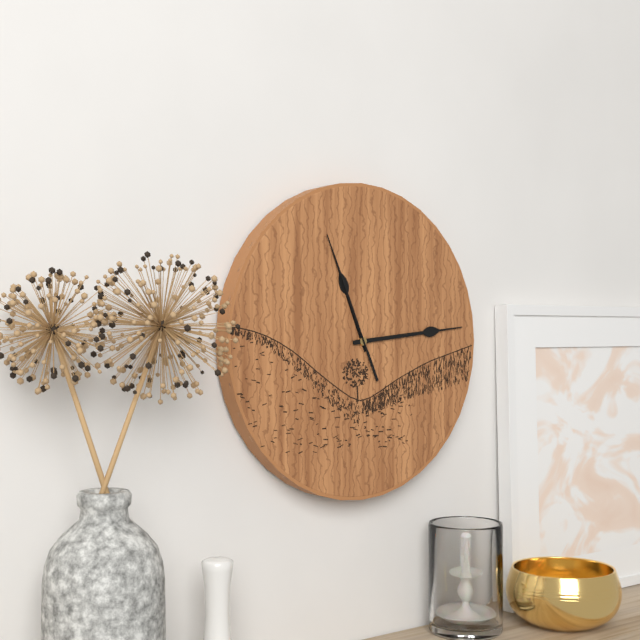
11:14:56
